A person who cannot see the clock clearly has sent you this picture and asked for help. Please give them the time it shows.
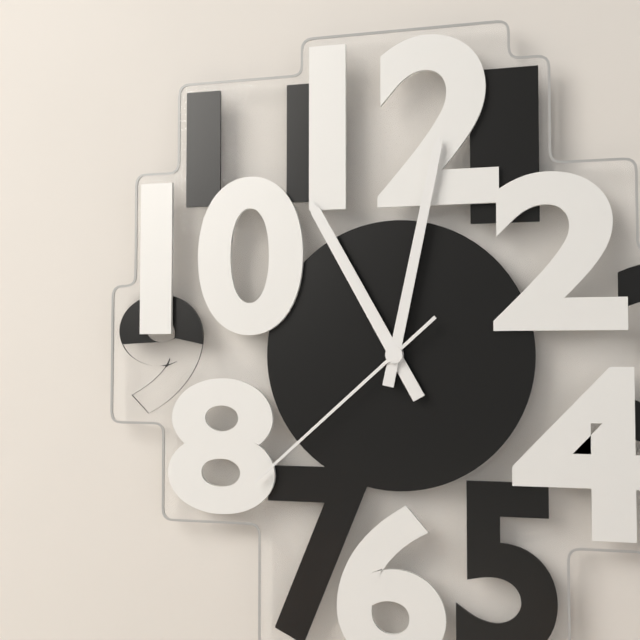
11:02:38
